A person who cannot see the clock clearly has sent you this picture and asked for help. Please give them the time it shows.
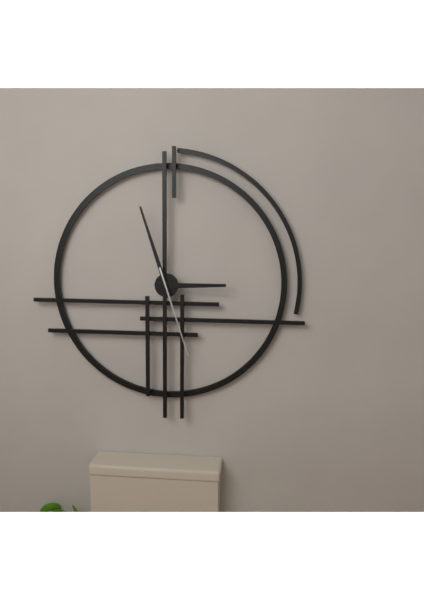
2:57:27
